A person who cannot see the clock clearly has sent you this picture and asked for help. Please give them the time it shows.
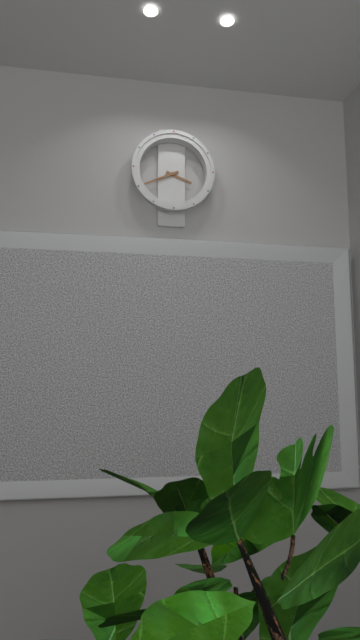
3:41
